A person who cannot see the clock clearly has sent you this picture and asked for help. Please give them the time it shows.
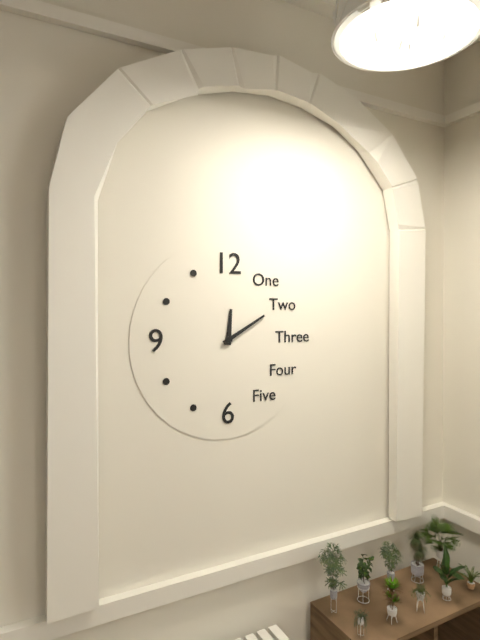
12:10
